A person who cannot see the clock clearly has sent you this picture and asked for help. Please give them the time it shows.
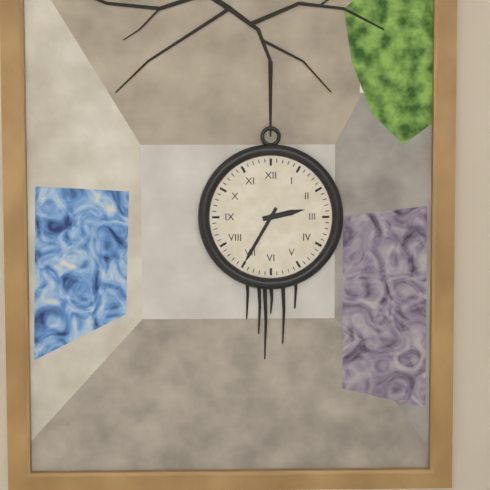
2:35
